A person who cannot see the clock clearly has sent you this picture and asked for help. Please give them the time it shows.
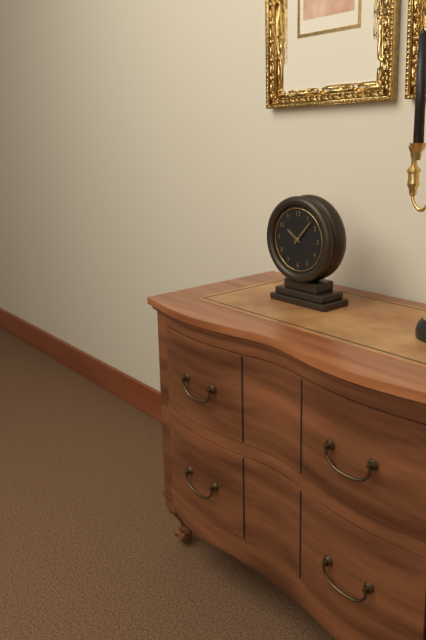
10:07
